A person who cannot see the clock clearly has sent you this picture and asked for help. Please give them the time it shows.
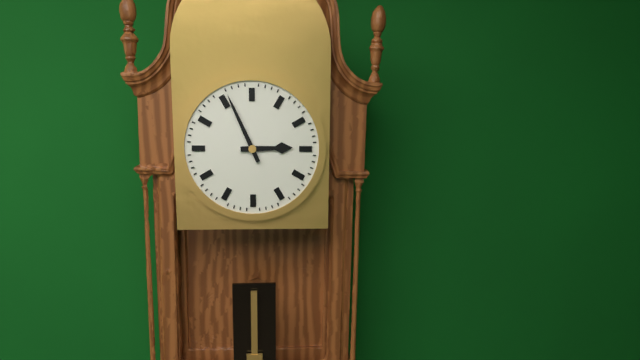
2:56
